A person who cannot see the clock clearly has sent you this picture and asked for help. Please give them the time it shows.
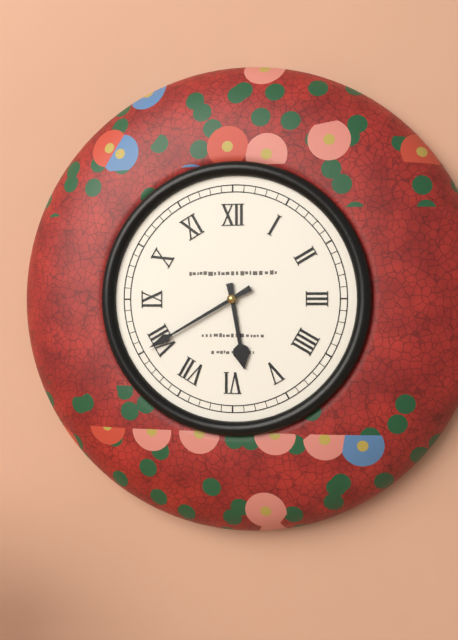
5:40
